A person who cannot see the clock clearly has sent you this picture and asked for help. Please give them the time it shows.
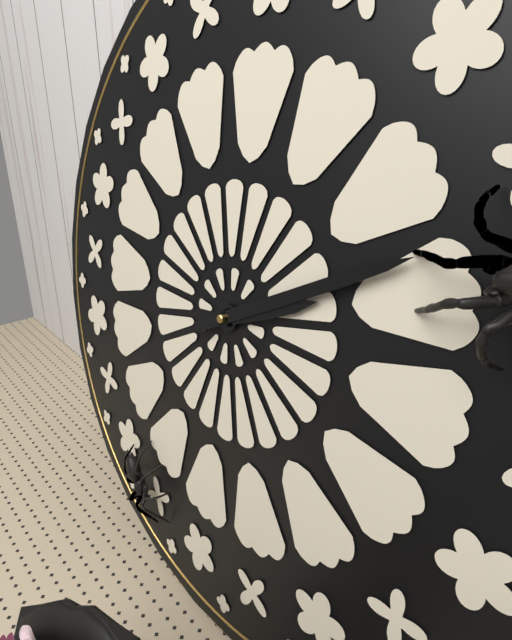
2:10
